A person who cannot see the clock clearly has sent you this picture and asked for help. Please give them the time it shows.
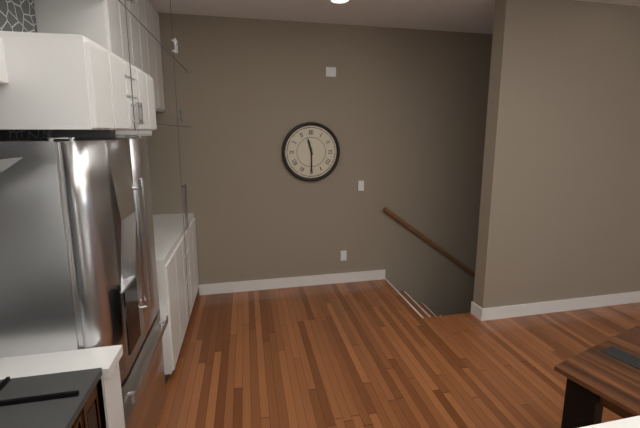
11:30
